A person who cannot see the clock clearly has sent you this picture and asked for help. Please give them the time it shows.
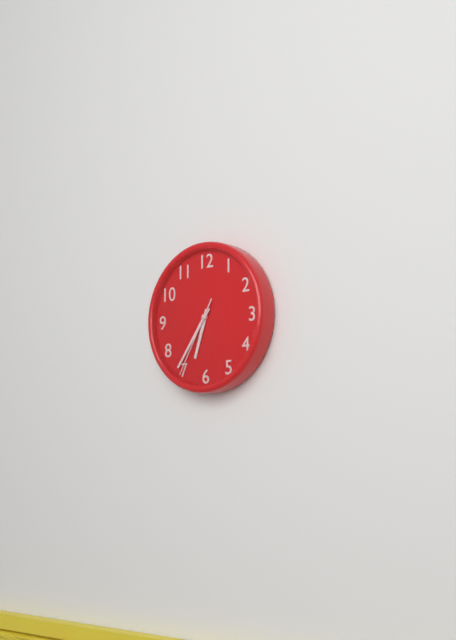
6:36:35
